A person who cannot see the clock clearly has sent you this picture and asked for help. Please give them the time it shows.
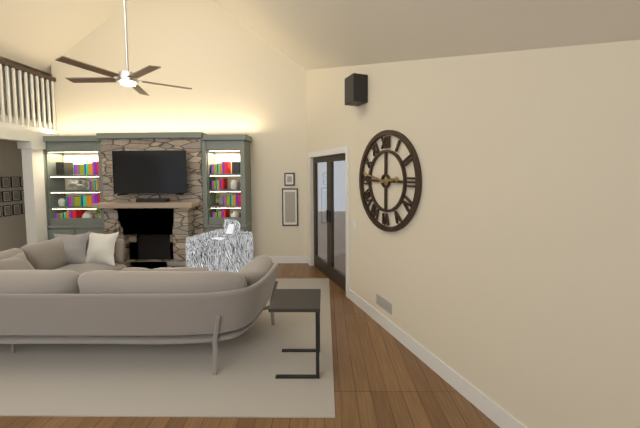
2:47
